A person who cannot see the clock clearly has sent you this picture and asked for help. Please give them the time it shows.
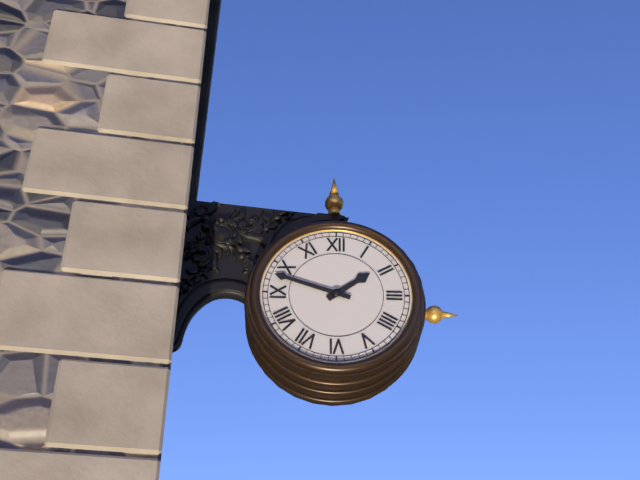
1:48
